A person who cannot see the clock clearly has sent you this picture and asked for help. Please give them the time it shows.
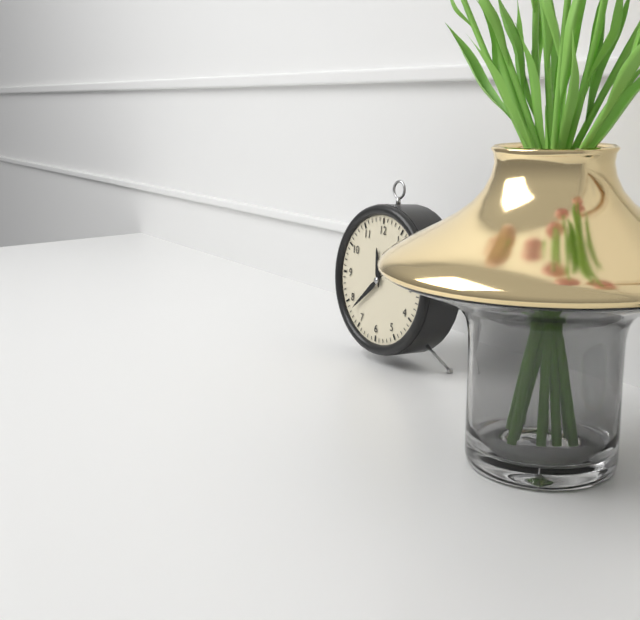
11:38
